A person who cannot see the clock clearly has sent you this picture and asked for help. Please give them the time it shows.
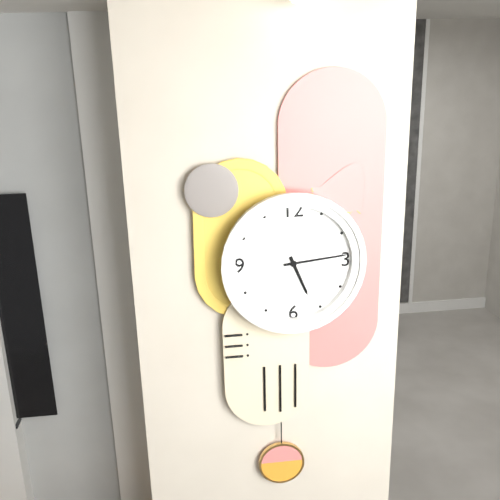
5:14
